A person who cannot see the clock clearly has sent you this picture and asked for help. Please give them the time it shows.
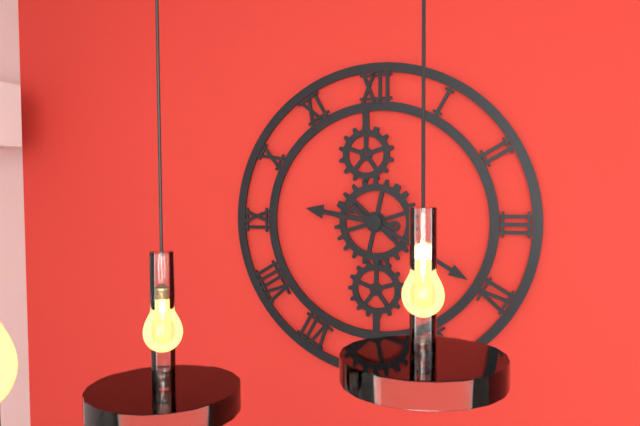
9:20
